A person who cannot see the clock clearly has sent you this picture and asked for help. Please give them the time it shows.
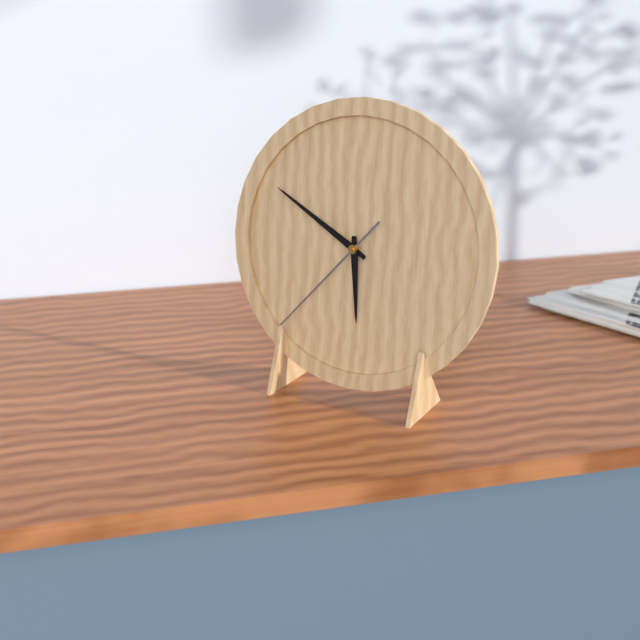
5:50:37
